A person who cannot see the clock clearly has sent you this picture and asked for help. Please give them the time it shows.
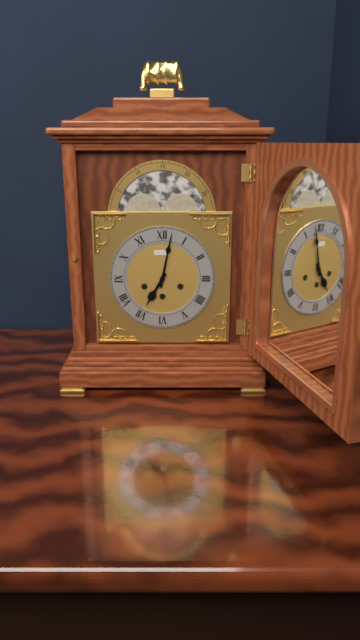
7:02
